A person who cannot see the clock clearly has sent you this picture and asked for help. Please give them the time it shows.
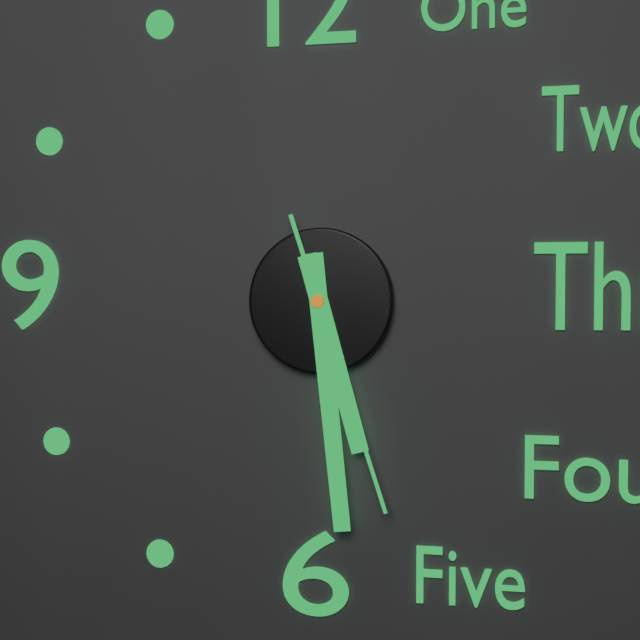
5:29:27
